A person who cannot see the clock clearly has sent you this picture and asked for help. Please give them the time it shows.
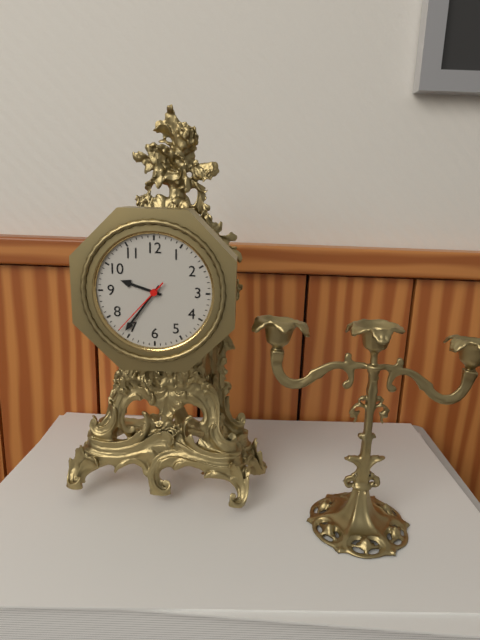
9:36:37
